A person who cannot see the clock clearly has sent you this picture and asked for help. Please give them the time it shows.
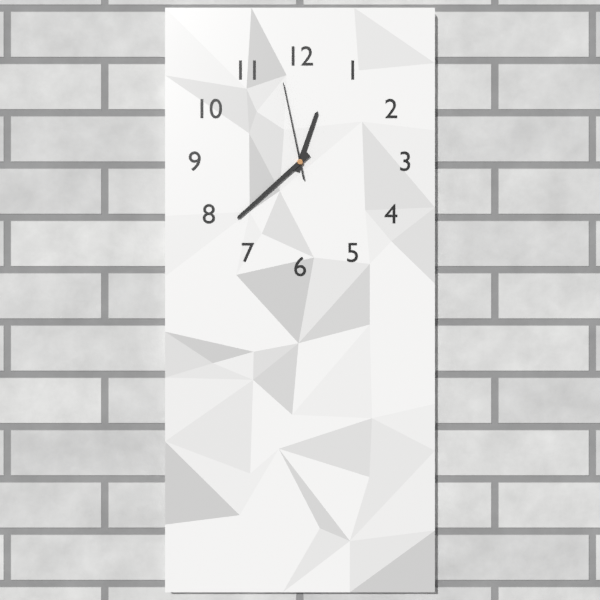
12:38:58
